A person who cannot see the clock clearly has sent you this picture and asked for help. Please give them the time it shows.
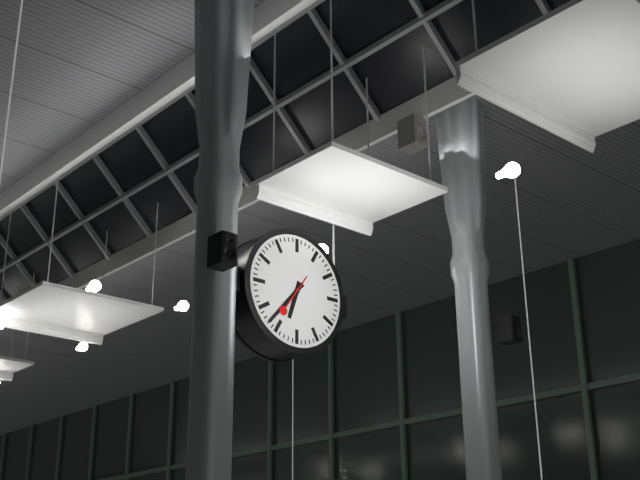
6:37
